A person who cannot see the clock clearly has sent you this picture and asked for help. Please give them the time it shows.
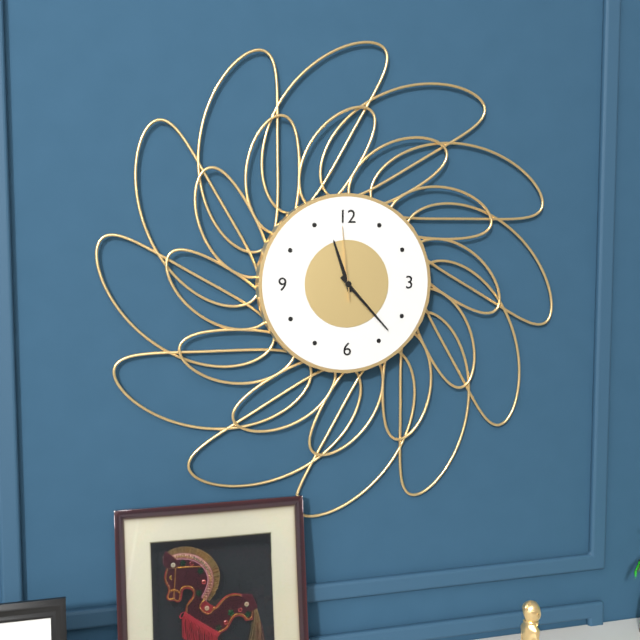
11:23:59
